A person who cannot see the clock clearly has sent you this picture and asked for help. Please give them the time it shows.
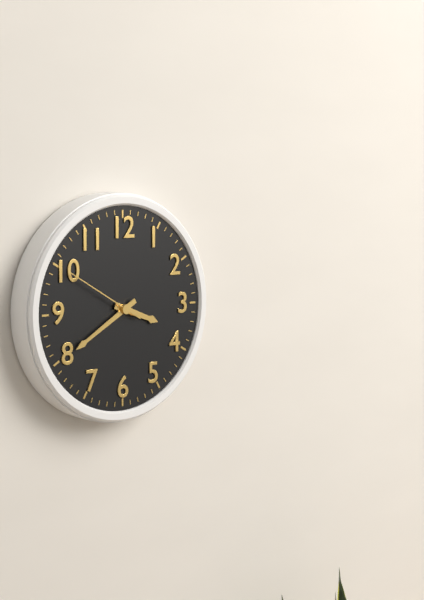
3:40:50
